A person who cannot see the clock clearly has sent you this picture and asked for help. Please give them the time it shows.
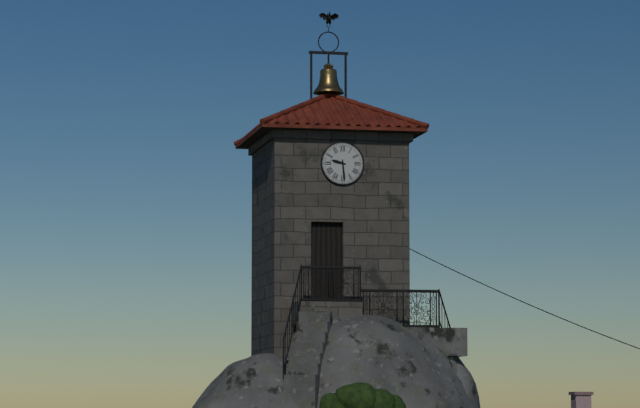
9:29
